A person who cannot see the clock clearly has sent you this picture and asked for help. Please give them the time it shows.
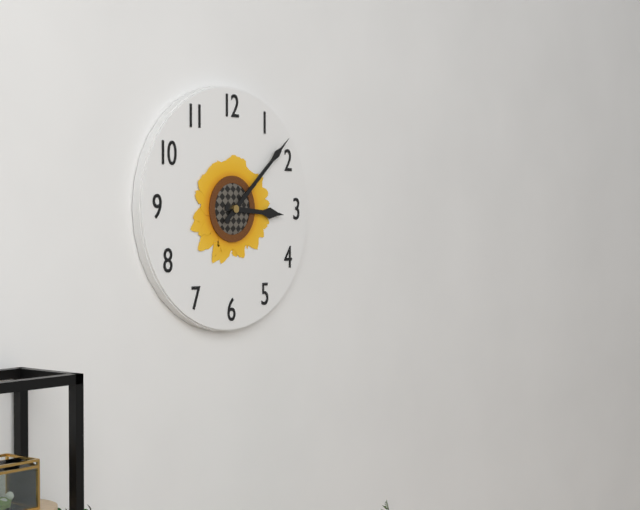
3:08
